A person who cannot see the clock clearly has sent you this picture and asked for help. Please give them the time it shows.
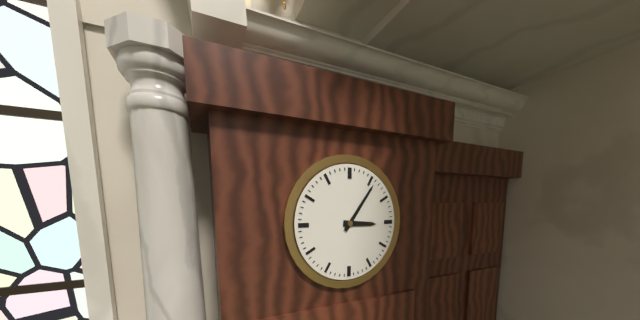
3:06
